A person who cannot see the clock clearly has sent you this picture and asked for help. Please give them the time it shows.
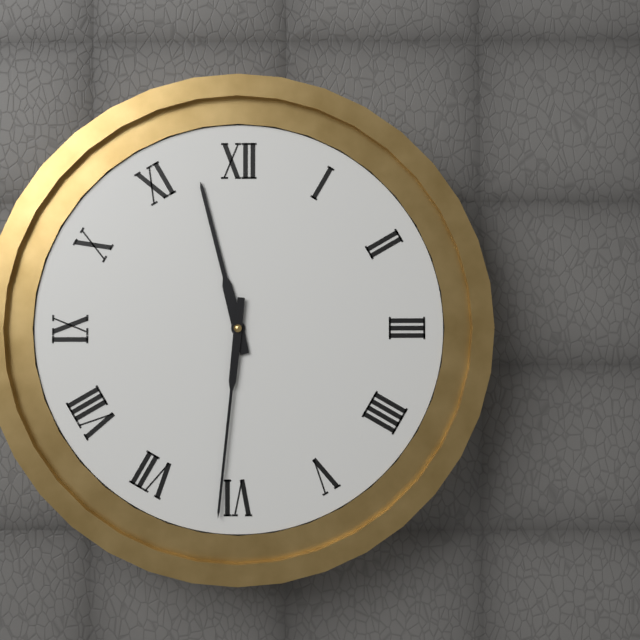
11:31
